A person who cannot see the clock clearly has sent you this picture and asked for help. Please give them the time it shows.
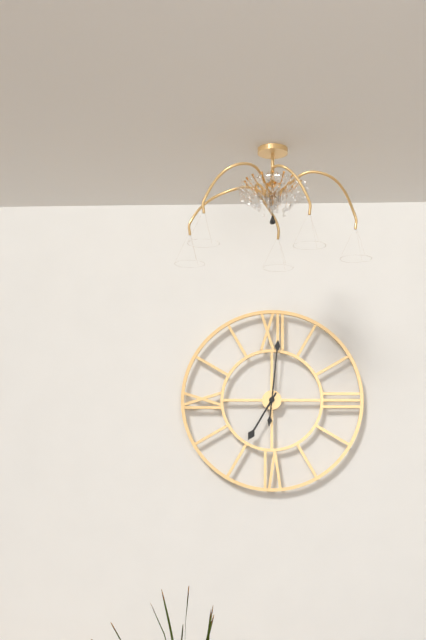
7:01
